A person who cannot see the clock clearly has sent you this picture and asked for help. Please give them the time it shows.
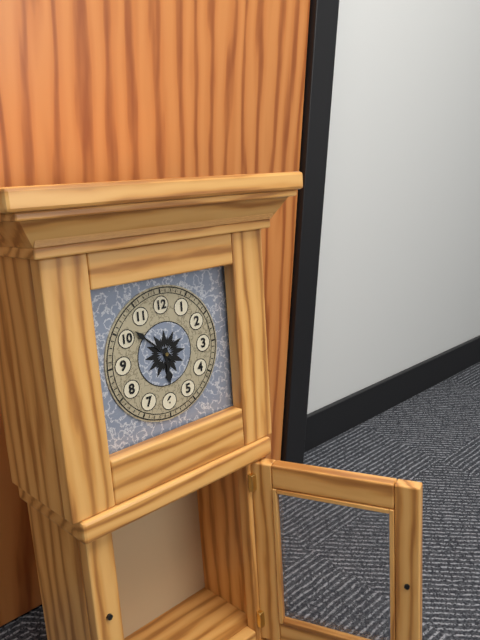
5:52
